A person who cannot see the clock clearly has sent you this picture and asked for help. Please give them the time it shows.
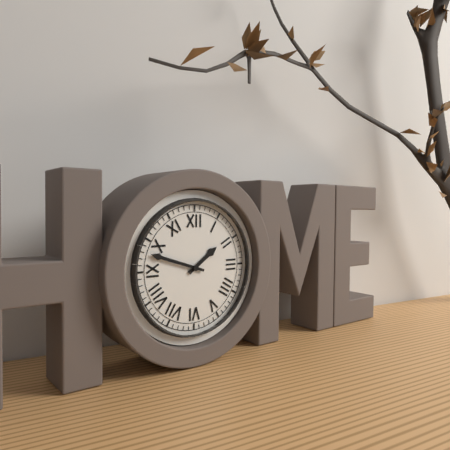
1:48
